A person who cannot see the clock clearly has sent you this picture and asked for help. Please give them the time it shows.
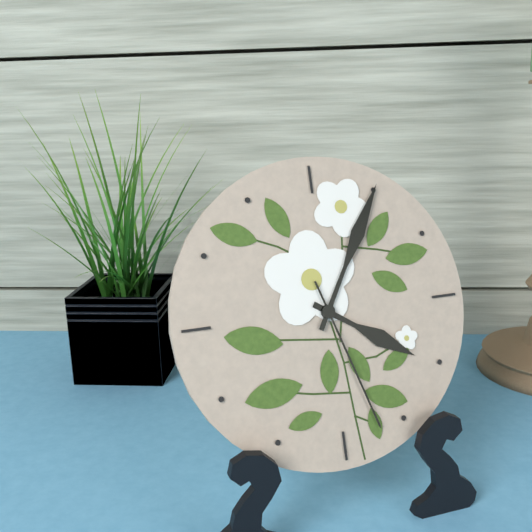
4:05:27
